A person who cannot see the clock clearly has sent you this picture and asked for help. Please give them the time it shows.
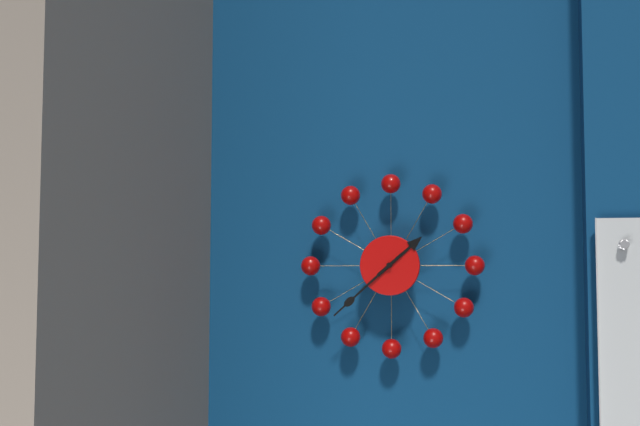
1:38
